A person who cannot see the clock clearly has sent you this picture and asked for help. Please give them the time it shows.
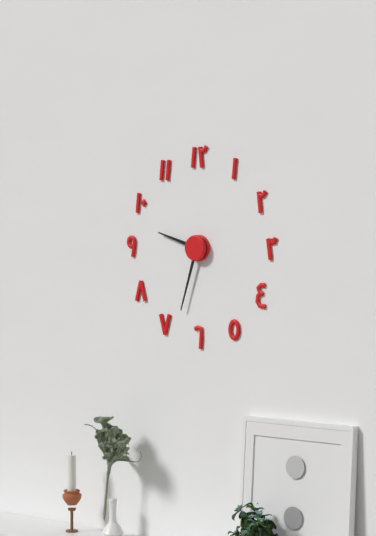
9:33
